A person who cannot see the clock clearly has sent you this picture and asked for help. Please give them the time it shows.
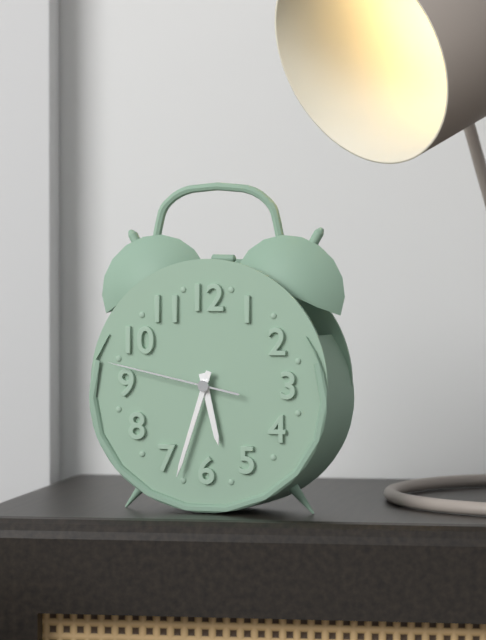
5:33:47
